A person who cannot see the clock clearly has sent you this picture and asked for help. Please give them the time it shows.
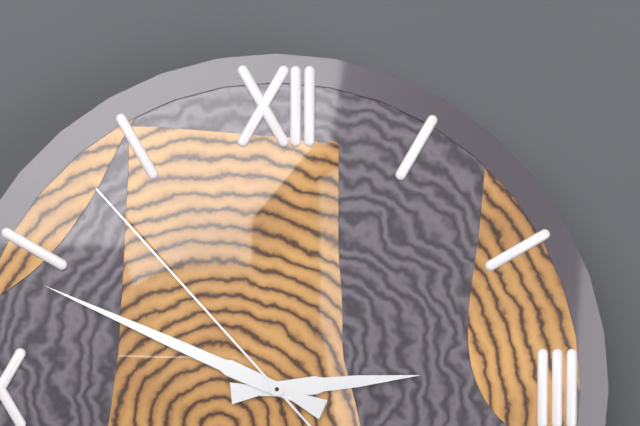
2:49:53
